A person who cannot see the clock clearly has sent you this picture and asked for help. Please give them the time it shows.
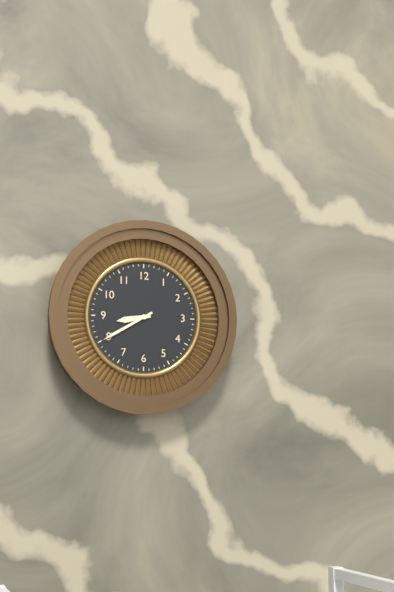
8:40
